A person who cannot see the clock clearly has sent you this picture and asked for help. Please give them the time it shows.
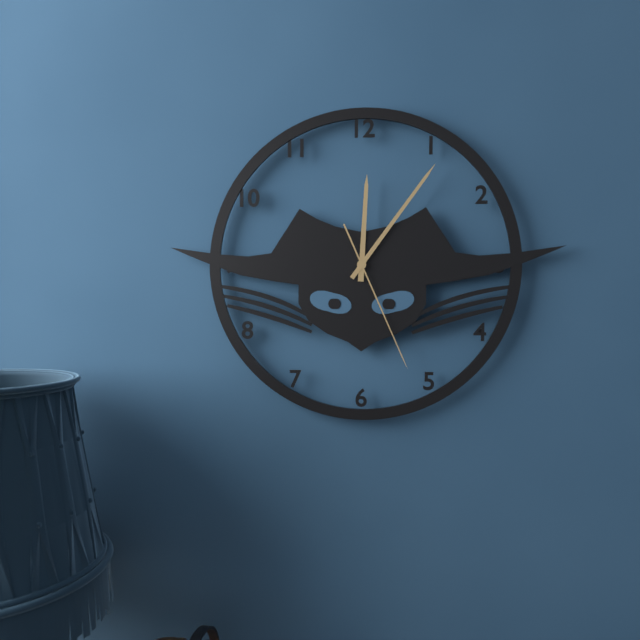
12:06:26
